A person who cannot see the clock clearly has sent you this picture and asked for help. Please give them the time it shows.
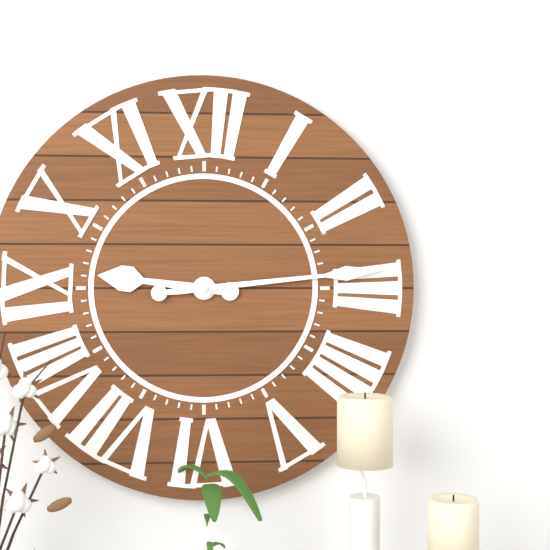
9:14
